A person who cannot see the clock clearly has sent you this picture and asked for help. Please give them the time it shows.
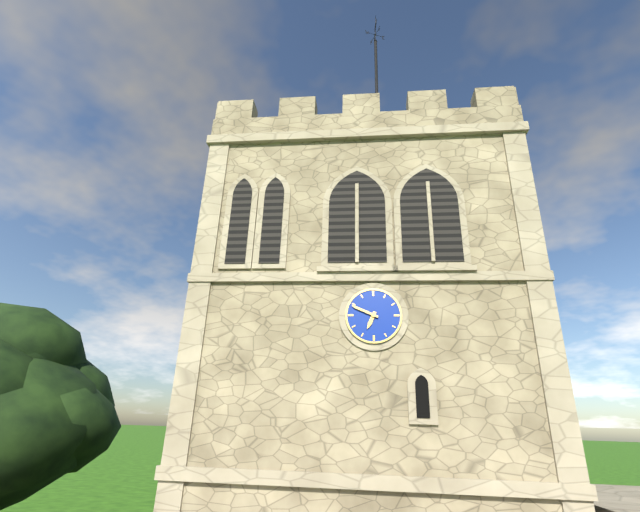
6:49
